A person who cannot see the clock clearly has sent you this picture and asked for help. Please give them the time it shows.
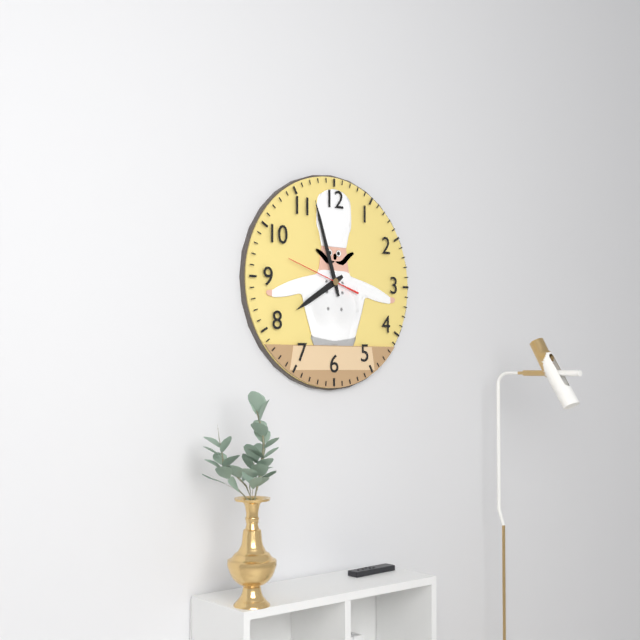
7:57:48
